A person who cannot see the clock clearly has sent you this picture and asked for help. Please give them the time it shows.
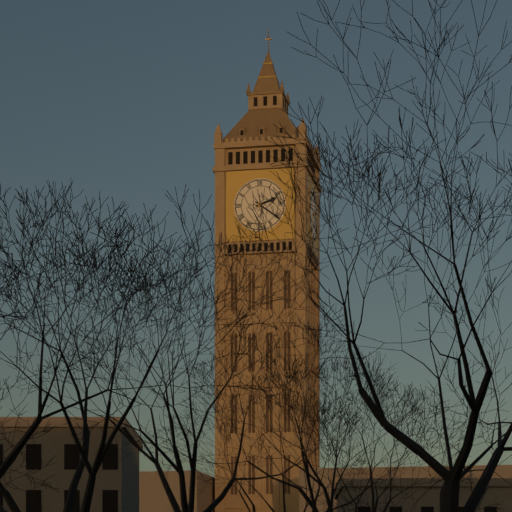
2:21
